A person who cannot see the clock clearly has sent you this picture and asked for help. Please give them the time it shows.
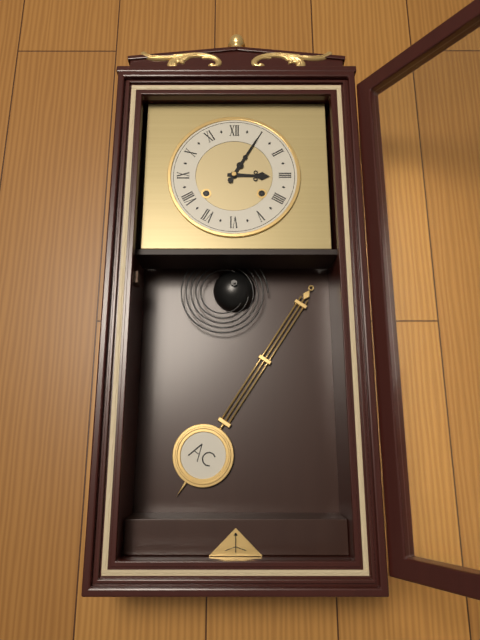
3:05
